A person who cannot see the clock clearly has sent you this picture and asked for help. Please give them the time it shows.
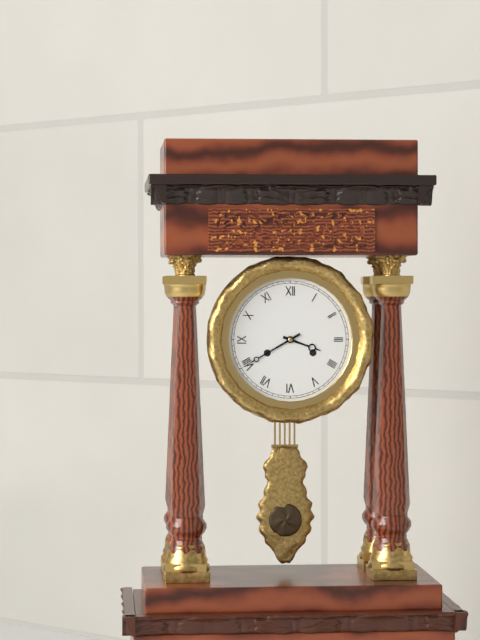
3:40
